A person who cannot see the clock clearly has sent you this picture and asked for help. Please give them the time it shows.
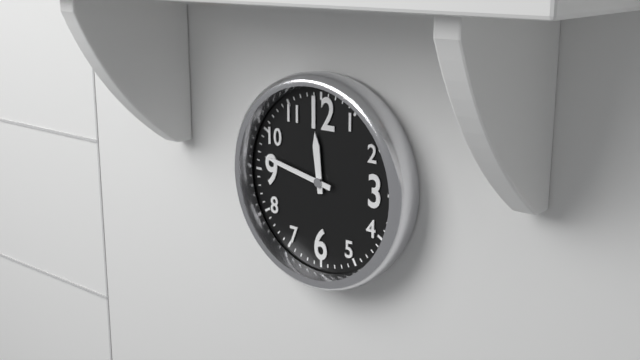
11:47
